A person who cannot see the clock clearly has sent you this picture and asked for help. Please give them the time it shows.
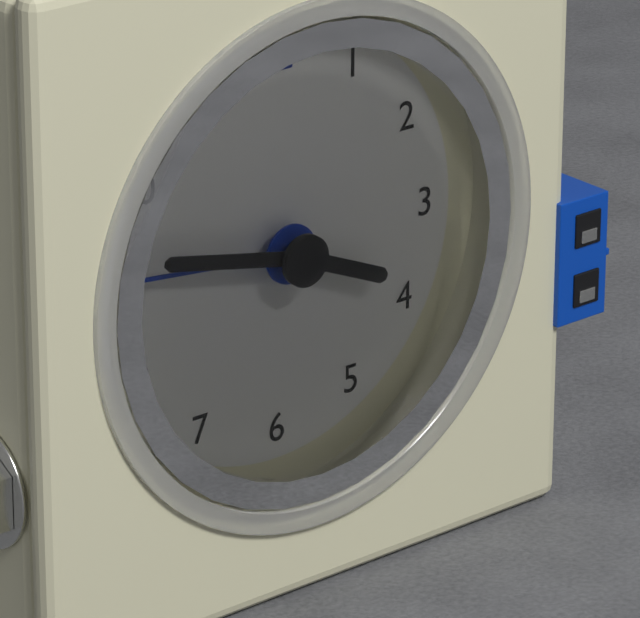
3:47:46
